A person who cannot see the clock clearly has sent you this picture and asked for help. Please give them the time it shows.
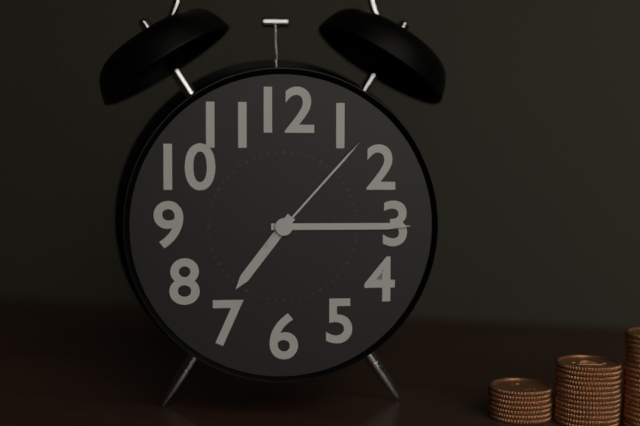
7:15:07
